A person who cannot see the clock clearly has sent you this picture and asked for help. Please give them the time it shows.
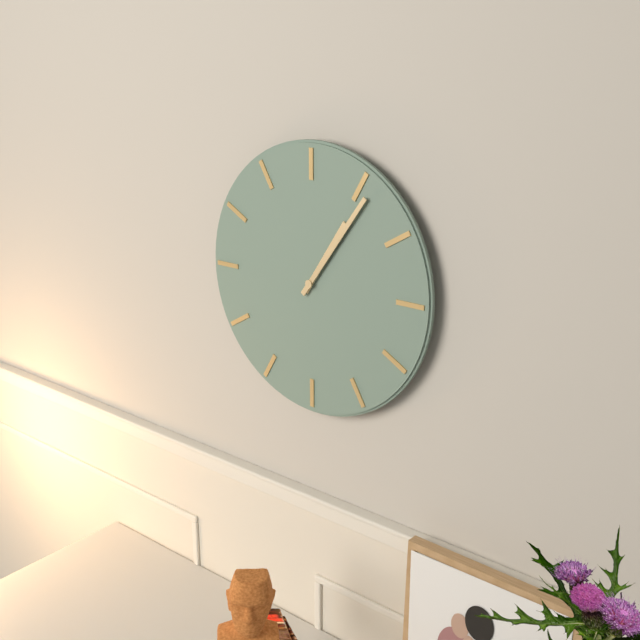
1:06
